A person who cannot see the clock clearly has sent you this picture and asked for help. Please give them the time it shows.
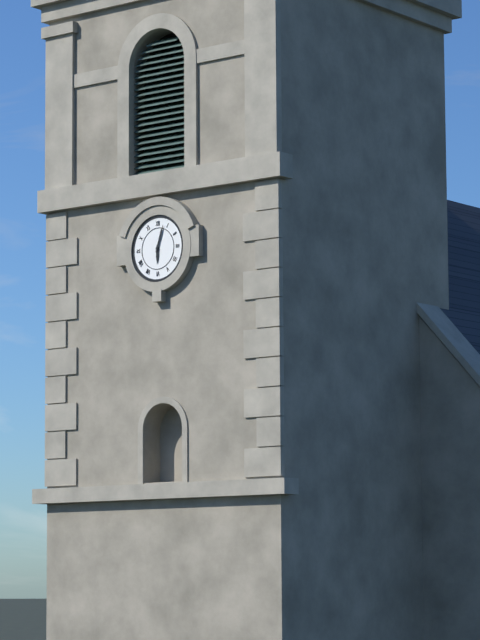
6:03
